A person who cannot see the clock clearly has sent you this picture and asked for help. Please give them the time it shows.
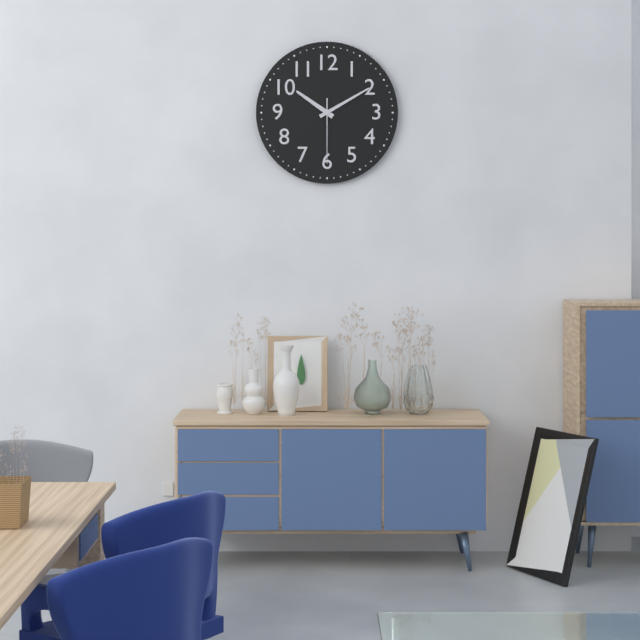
10:10:30
